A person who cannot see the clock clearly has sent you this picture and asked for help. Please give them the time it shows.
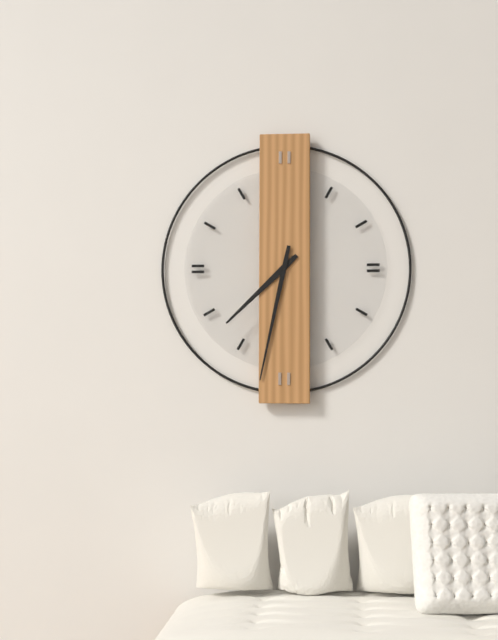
7:32
